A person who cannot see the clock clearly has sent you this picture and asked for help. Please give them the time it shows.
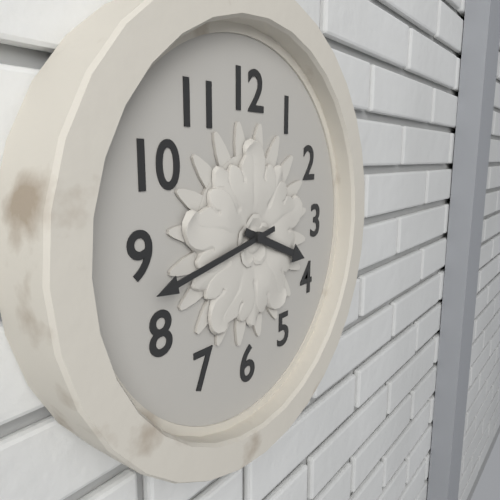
3:43
